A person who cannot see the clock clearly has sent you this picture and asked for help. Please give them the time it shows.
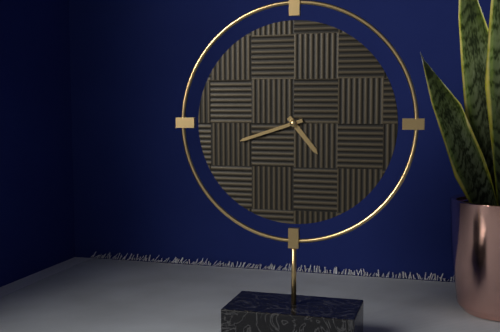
4:42
